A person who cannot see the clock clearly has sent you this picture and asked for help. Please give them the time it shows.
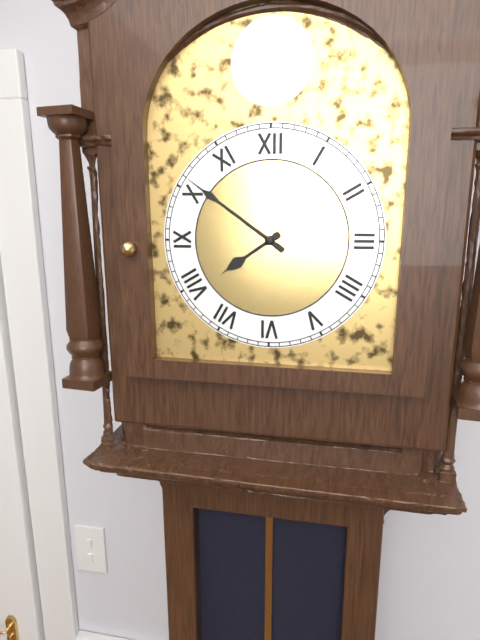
7:51
